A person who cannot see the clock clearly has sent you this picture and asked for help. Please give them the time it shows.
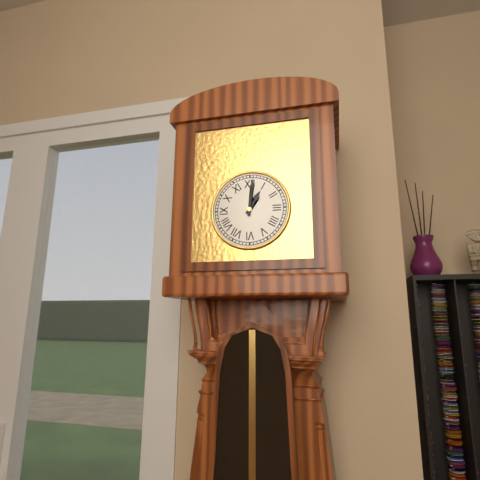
1:01
